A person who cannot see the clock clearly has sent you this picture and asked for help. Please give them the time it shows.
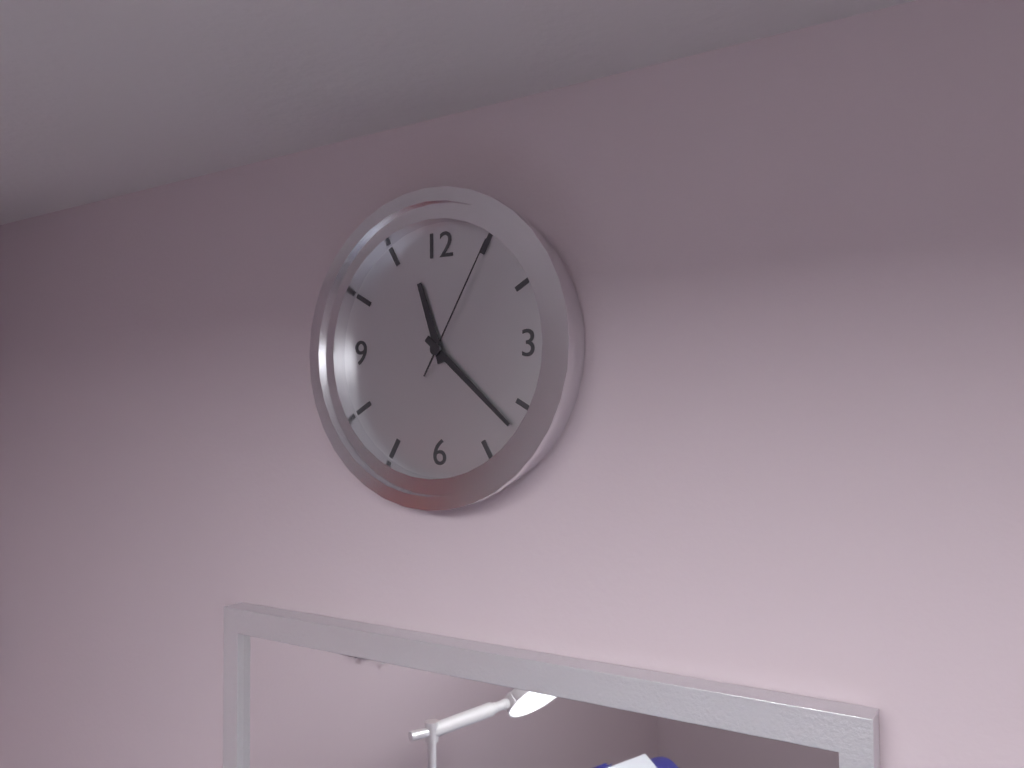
11:22:05
